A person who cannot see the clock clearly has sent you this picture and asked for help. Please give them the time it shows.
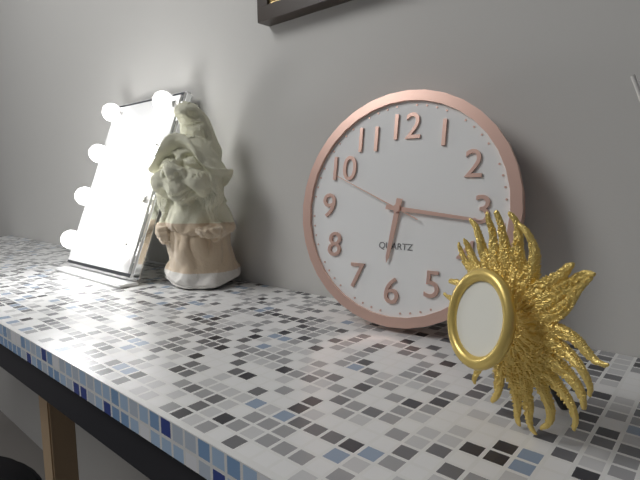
6:16:49
